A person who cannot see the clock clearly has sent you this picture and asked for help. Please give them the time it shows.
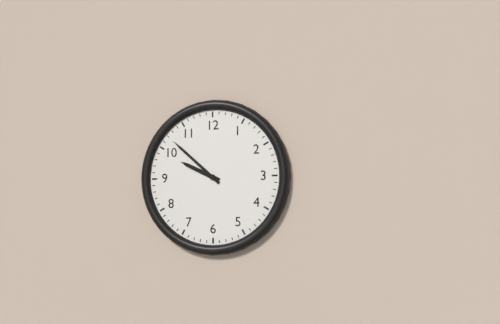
9:52
